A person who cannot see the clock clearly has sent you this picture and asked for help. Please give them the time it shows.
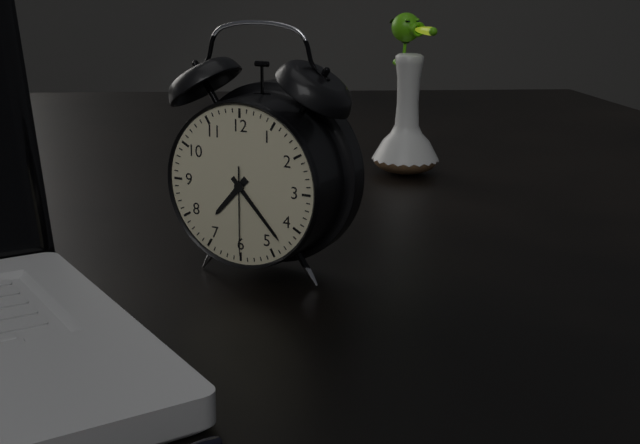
7:23:30
